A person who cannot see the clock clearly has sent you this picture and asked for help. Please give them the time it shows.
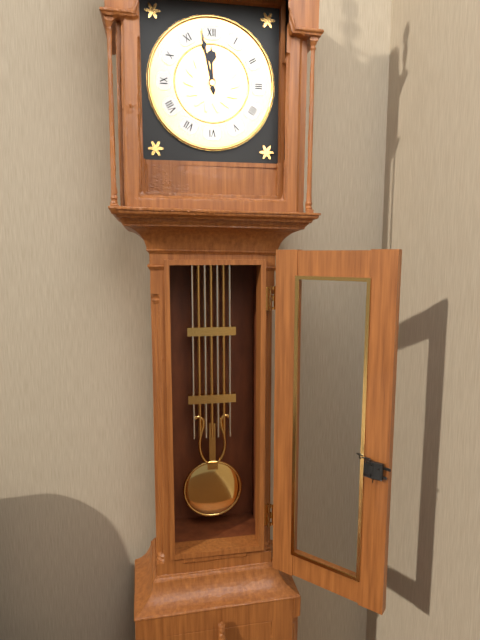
11:58
